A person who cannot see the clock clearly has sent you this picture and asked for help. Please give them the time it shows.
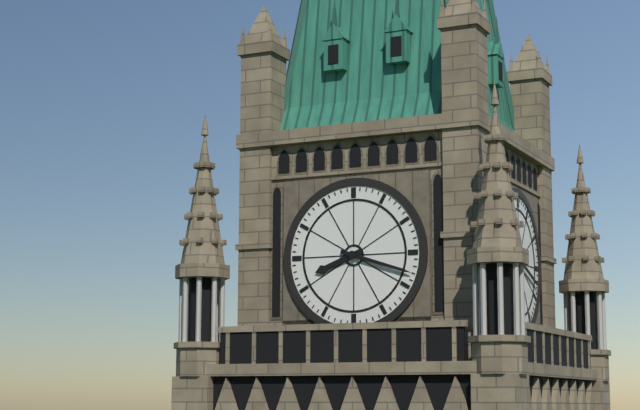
8:18
